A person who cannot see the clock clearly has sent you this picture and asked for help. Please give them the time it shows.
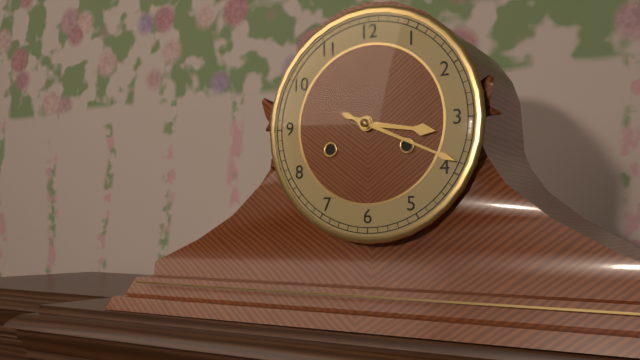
3:19
